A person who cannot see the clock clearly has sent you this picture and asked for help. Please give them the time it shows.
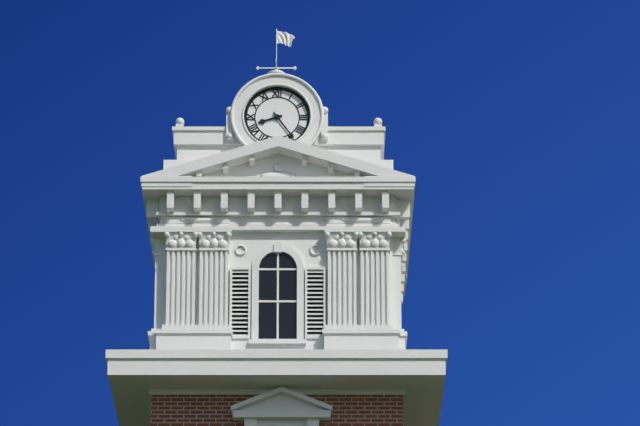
8:24
